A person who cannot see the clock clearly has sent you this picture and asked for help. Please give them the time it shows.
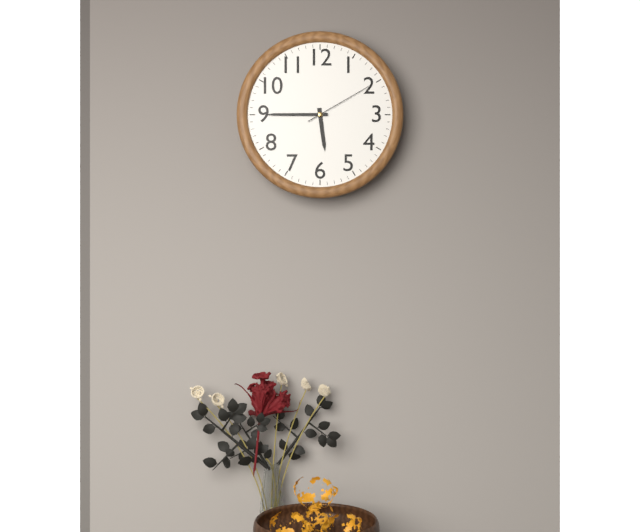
5:45:10
